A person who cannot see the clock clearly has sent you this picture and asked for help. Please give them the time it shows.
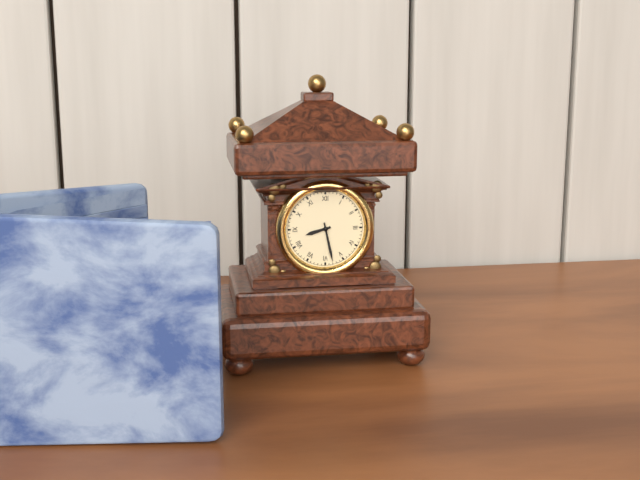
8:28
